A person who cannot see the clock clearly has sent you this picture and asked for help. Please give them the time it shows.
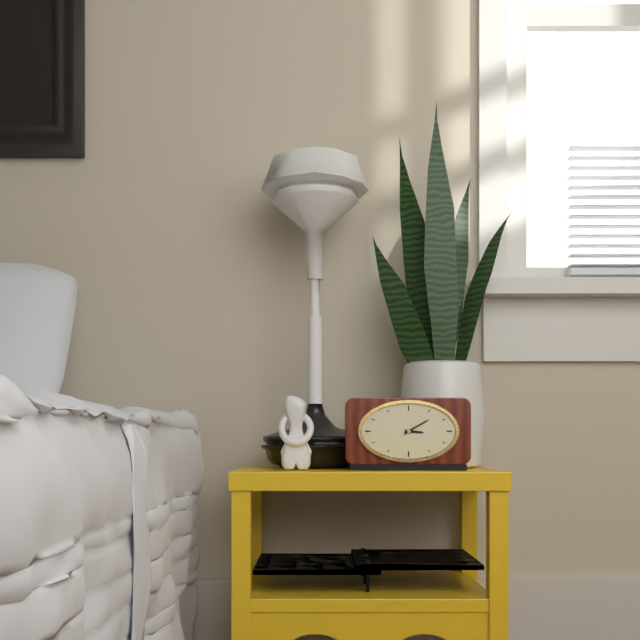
3:10
